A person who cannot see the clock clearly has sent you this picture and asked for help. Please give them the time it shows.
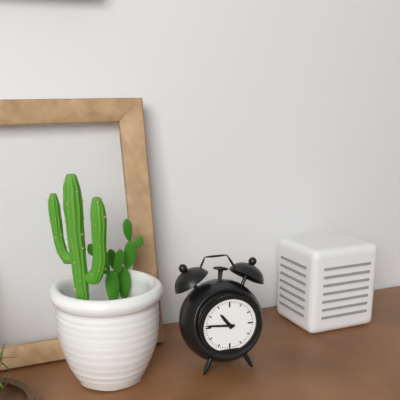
10:46
